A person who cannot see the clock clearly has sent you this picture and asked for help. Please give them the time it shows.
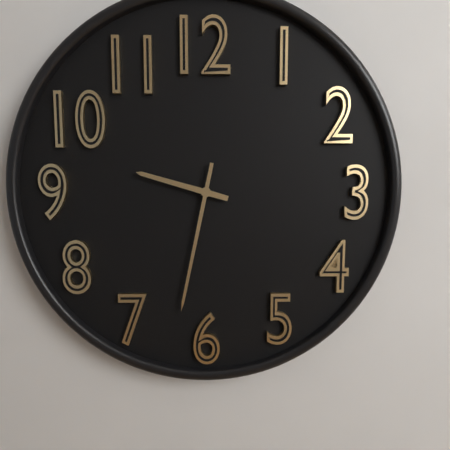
9:32
